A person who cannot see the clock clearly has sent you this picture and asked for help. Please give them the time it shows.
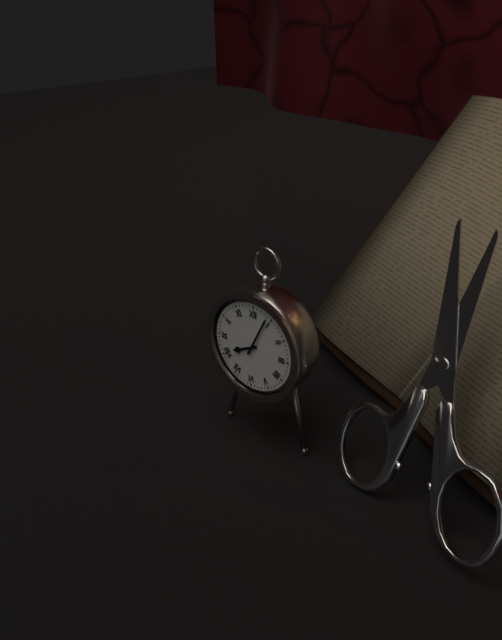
8:04
